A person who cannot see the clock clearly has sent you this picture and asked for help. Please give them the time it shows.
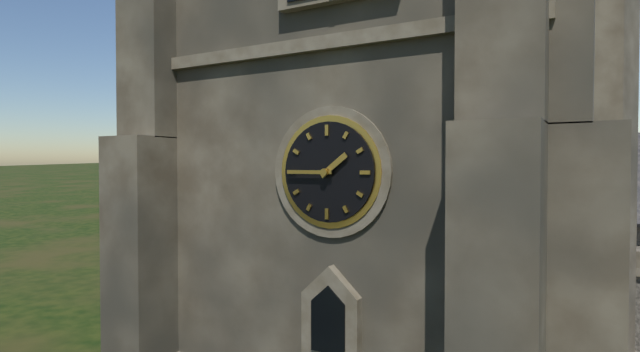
1:45
